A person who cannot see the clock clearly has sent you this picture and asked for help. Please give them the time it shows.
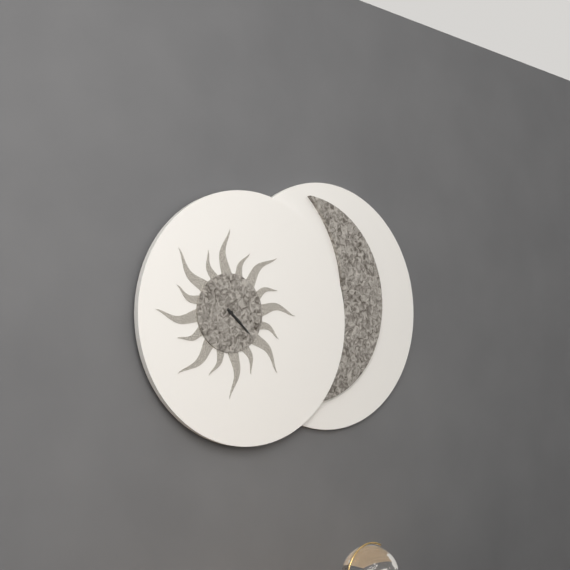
4:22
